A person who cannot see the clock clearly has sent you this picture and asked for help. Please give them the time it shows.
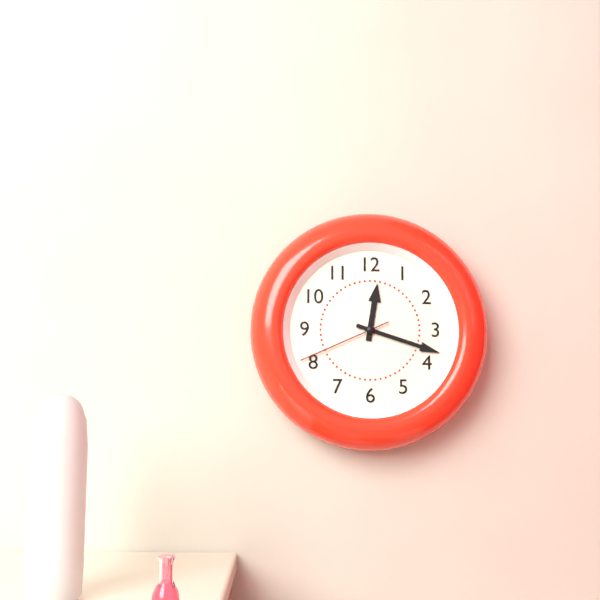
12:18:41
